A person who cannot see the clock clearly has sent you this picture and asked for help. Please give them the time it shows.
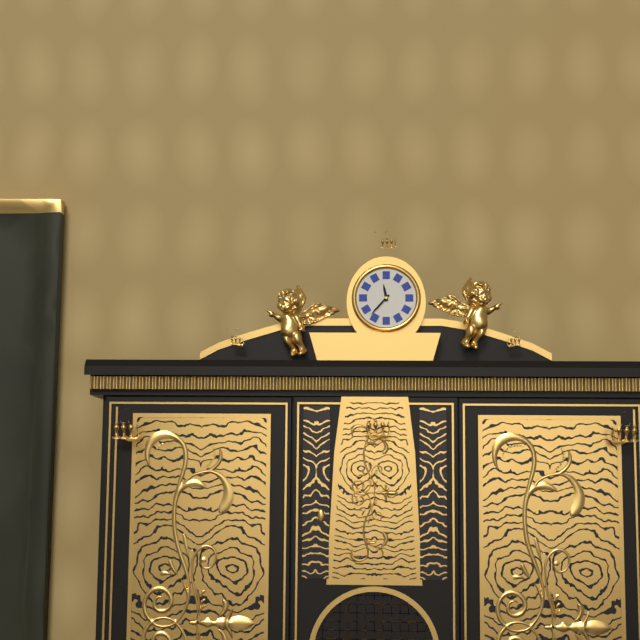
11:37
